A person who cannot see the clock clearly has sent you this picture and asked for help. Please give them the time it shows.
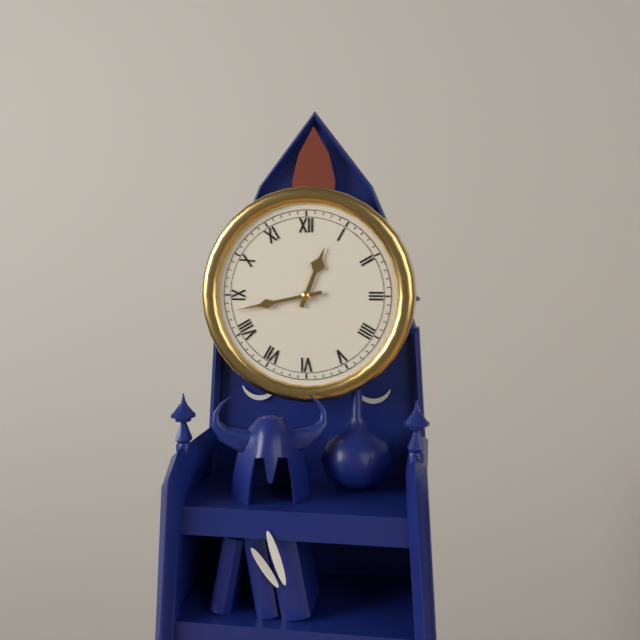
12:43
